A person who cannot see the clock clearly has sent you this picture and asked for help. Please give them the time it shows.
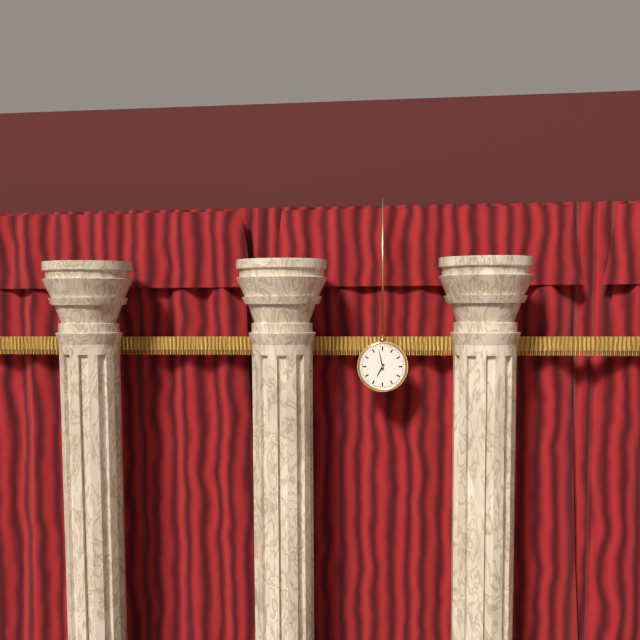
6:58
